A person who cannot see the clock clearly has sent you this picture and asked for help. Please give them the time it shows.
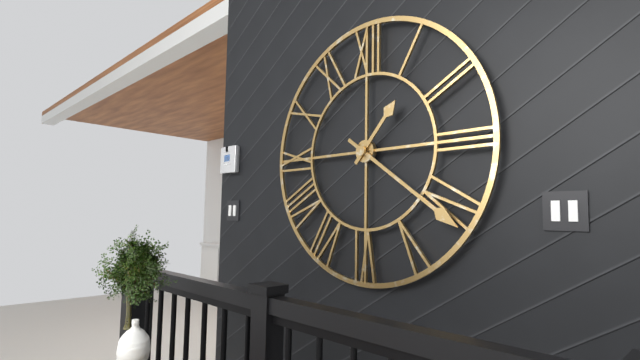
1:21
